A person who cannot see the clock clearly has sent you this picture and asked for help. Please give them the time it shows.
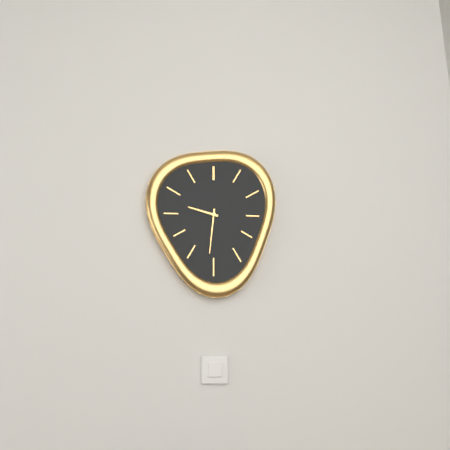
9:31
